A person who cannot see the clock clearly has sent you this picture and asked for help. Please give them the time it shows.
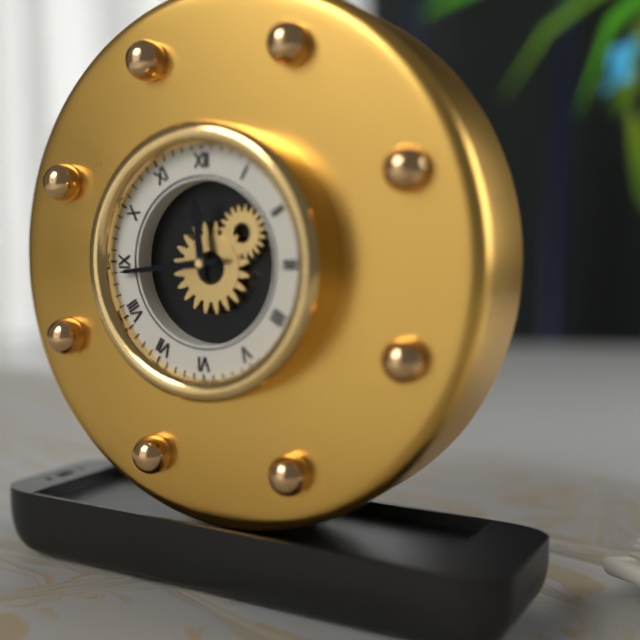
11:44
